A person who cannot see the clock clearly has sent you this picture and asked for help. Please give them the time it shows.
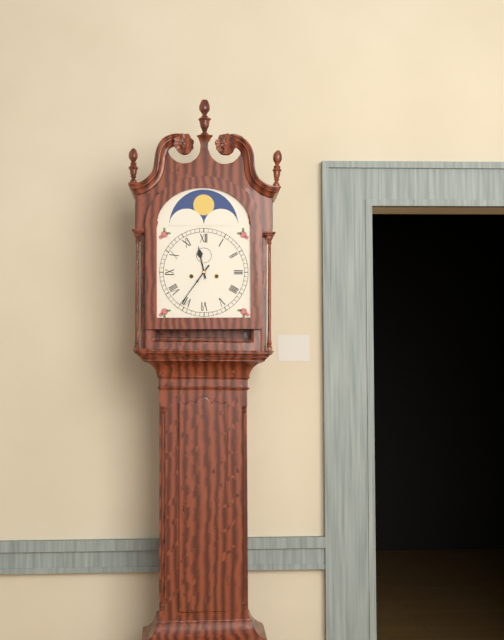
11:36
